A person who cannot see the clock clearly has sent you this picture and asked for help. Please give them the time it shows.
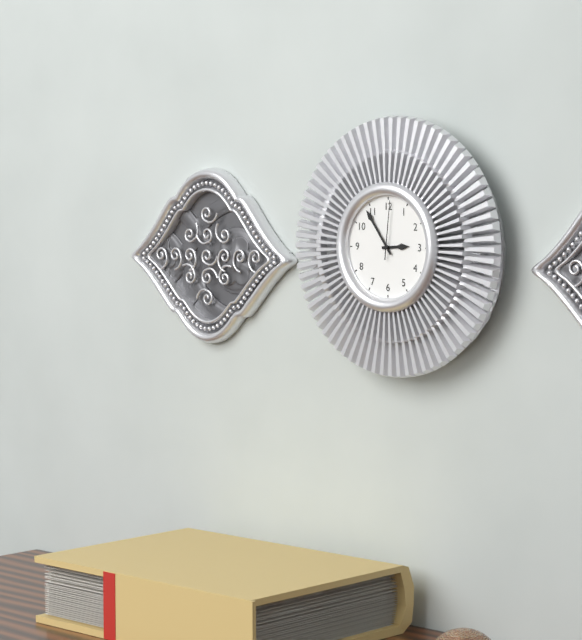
2:54:01
